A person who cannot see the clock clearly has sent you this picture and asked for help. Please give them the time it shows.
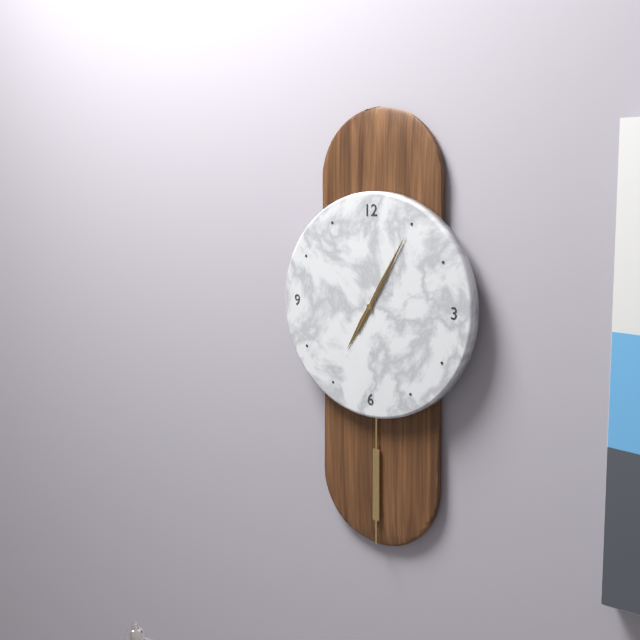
7:05:05
